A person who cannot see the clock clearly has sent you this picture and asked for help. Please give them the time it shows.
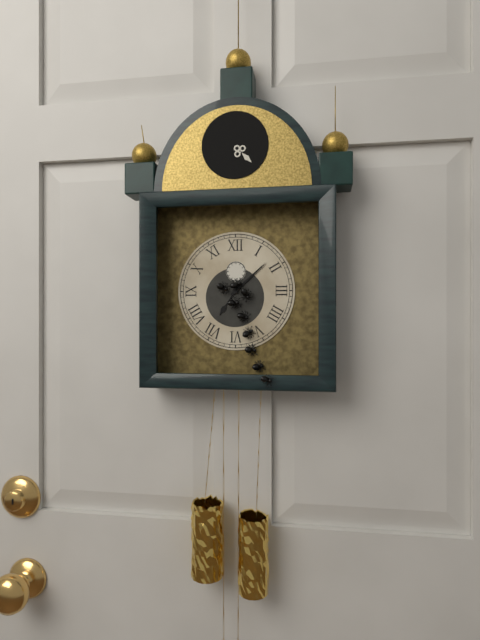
7:08
